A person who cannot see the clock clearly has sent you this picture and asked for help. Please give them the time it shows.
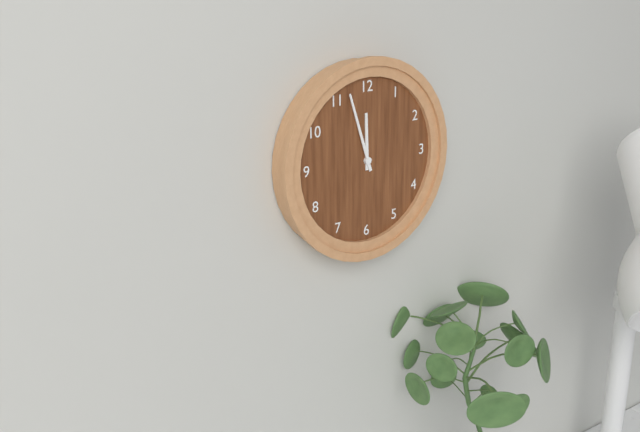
11:57
